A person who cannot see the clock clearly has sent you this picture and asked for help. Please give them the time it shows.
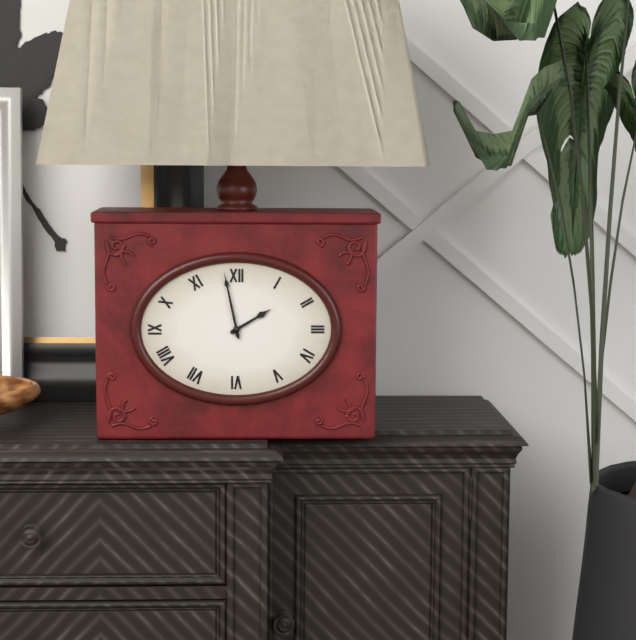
1:58
